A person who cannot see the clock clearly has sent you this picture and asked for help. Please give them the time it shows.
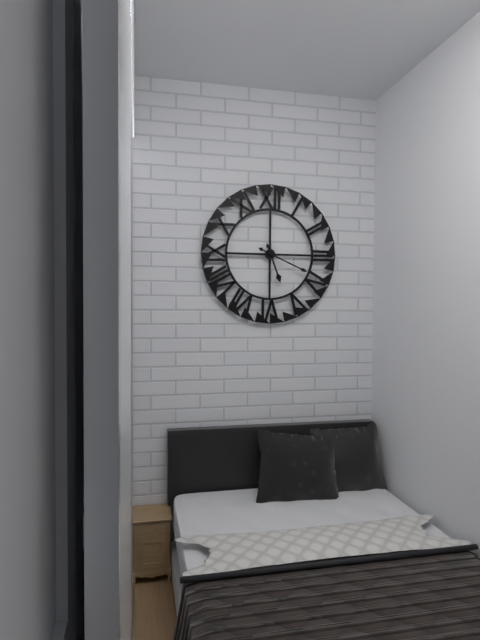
5:19
